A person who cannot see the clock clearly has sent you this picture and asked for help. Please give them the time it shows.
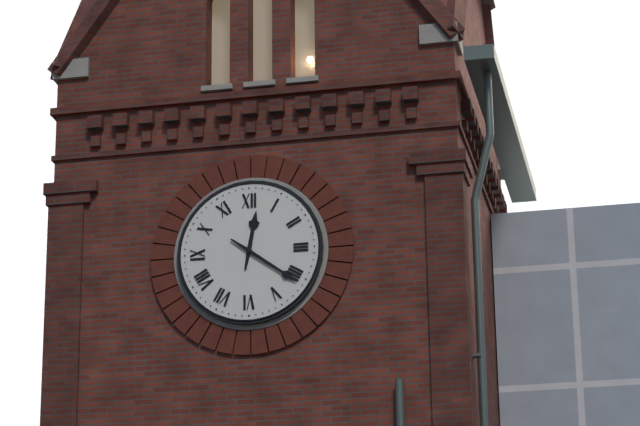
12:21
